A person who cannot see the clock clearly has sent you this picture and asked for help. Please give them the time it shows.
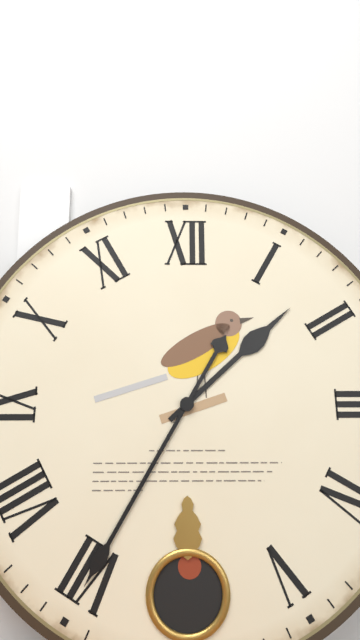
1:35
